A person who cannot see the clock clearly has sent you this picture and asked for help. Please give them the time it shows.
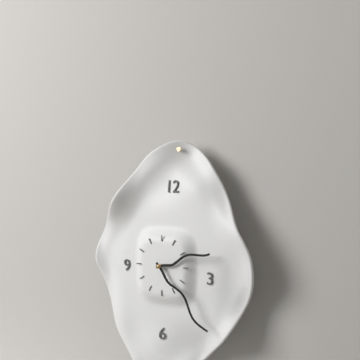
2:23
